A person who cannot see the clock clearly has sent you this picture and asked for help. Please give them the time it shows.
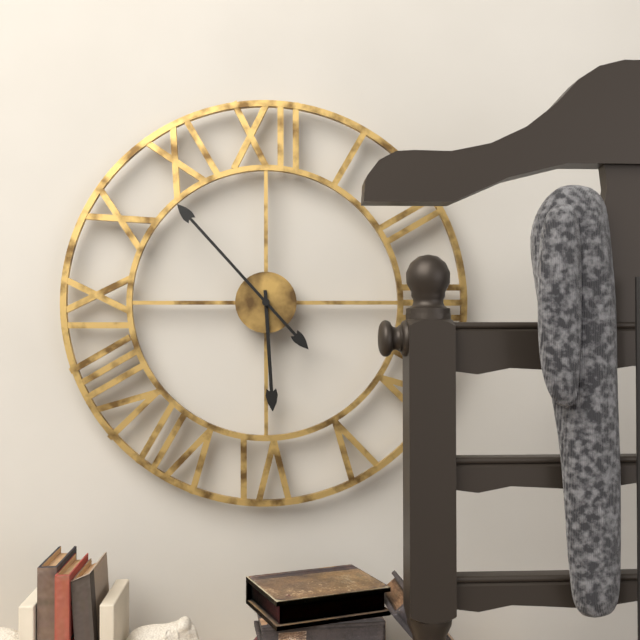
5:53
